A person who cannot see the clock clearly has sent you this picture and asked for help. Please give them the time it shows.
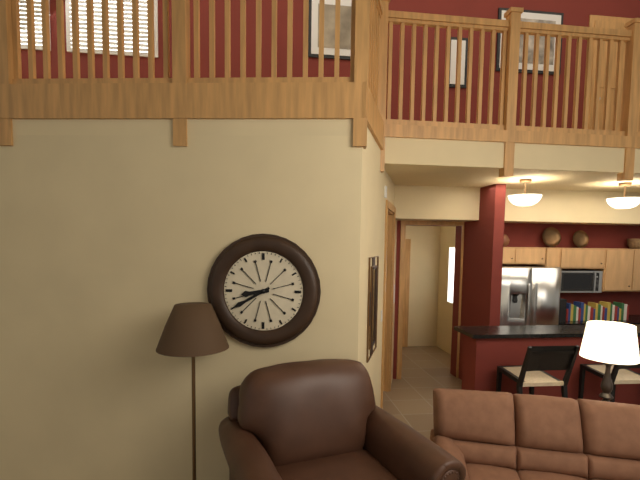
8:40
